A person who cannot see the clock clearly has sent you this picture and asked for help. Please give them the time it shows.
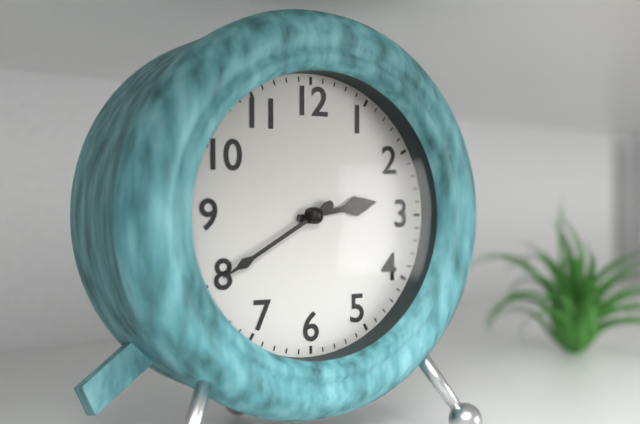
2:40
